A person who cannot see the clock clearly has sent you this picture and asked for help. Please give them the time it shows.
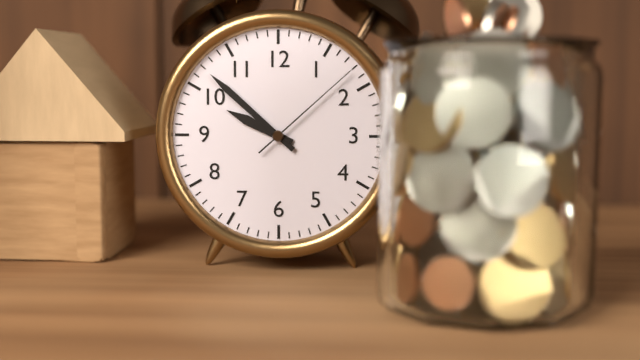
9:52:08
